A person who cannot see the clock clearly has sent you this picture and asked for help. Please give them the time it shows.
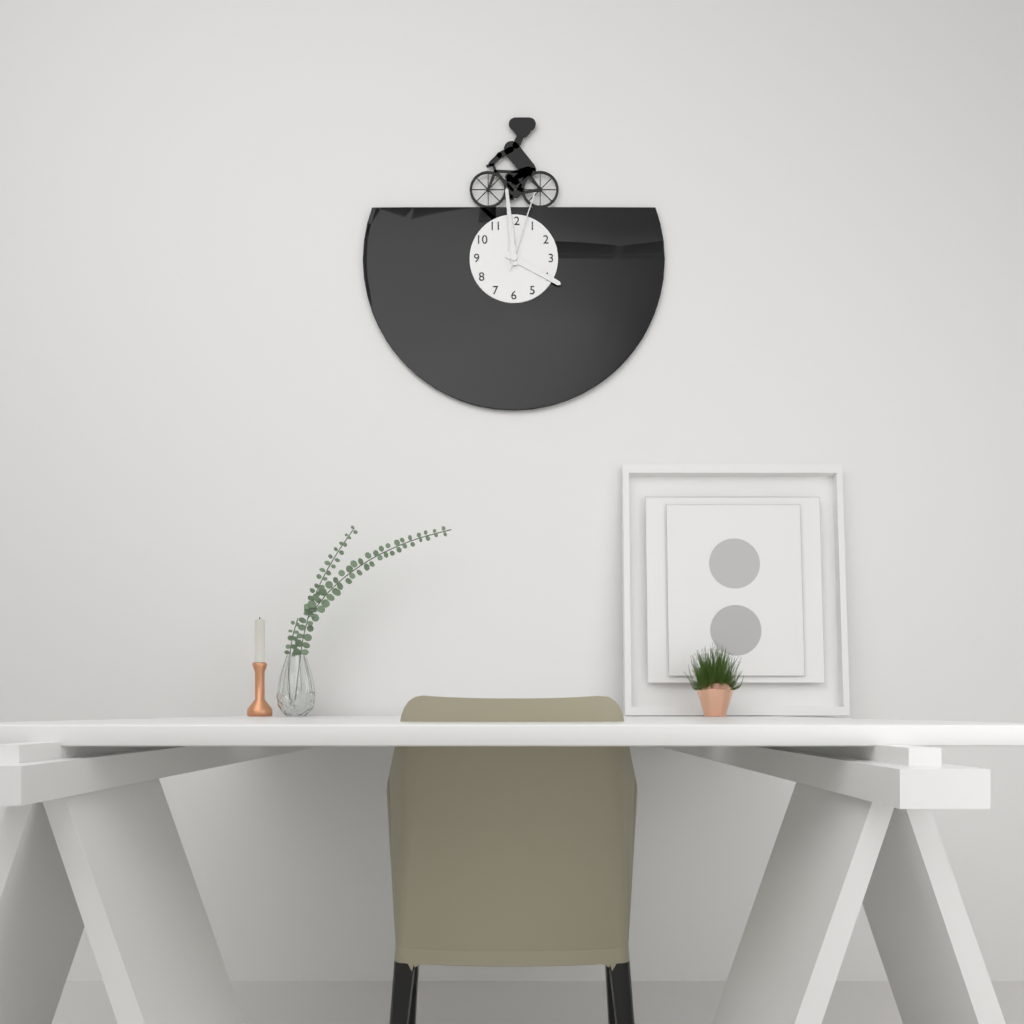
3:59:03
